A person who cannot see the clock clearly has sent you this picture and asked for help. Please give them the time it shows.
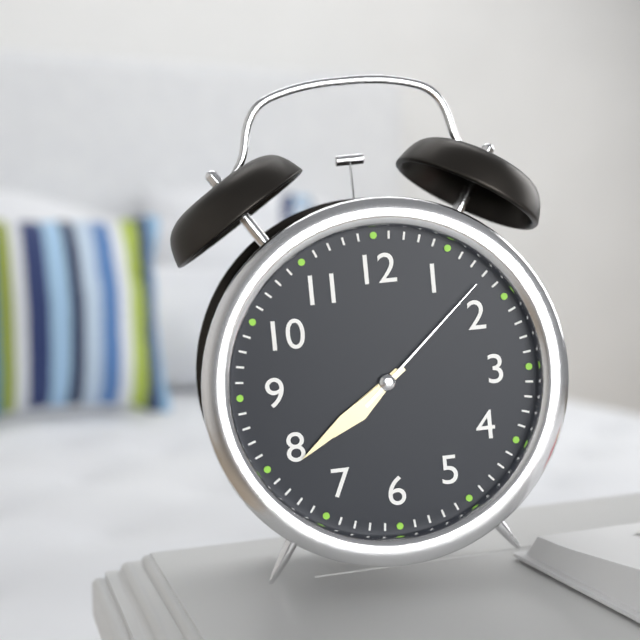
7:39:08
